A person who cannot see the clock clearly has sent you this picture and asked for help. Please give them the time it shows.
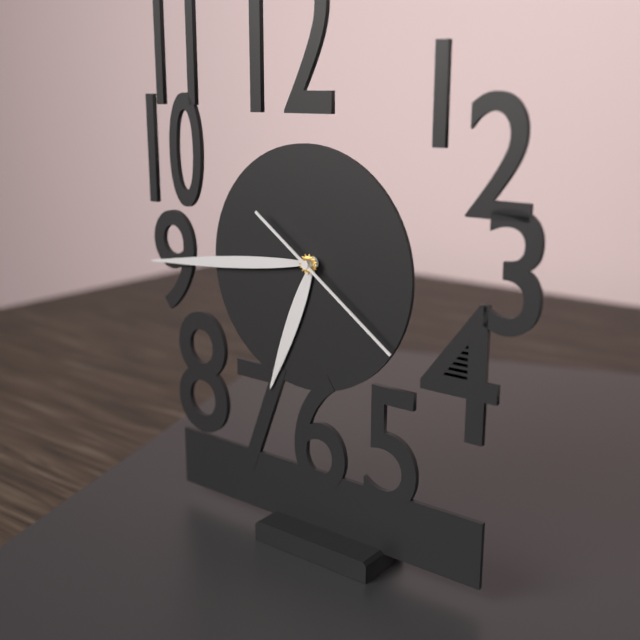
6:44:21
